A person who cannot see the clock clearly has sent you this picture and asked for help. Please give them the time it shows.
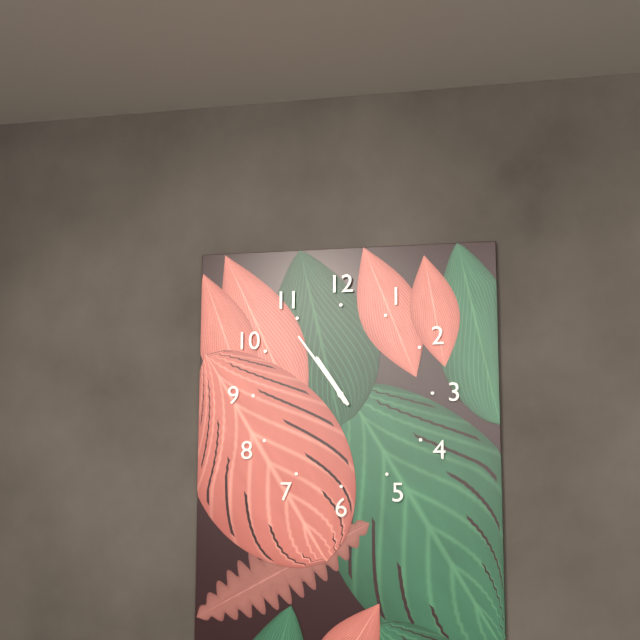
10:54
